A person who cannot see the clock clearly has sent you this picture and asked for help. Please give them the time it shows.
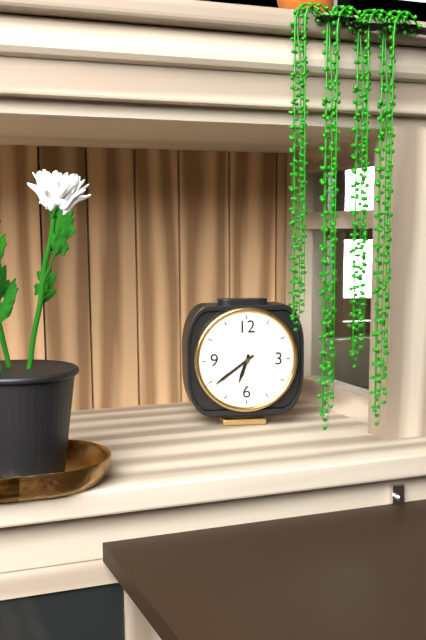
6:39
